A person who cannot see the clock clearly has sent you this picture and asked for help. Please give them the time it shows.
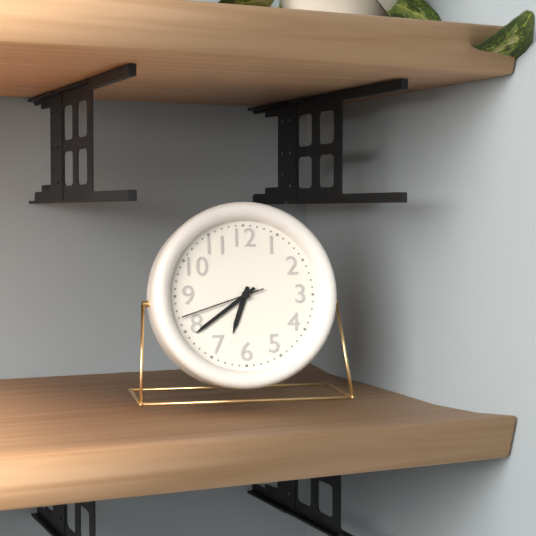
6:39:42
